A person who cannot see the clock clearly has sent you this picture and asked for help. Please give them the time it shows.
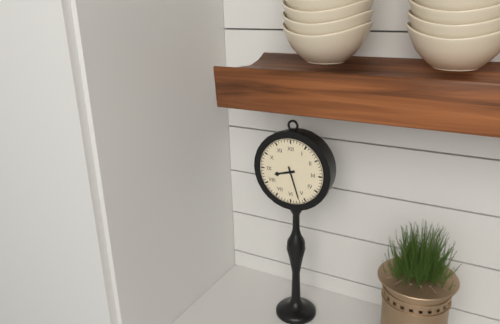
8:27
